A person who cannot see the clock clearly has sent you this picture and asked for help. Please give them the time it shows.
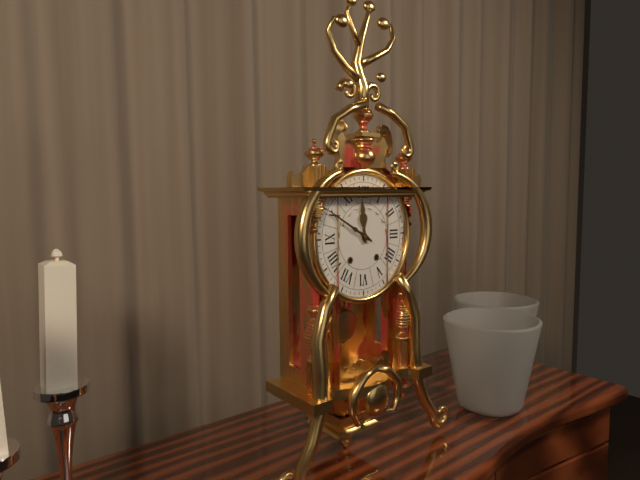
11:50
